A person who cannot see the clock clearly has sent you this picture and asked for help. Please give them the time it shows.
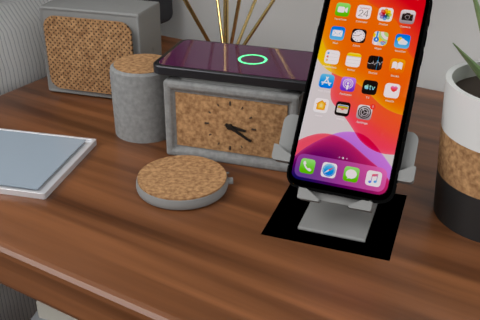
3:20
